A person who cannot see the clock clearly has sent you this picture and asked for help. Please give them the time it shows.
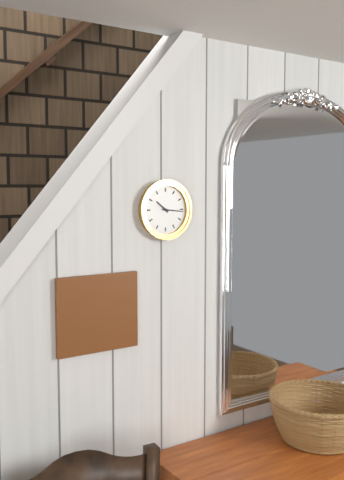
10:16
